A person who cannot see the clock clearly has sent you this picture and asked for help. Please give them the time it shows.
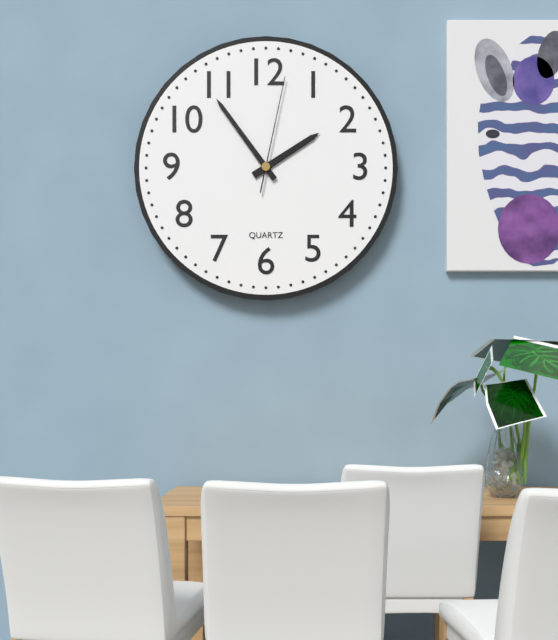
1:54:02
